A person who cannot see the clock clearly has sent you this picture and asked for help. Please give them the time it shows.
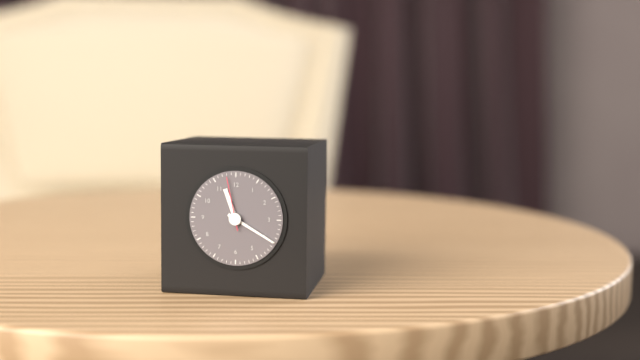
11:20:58
